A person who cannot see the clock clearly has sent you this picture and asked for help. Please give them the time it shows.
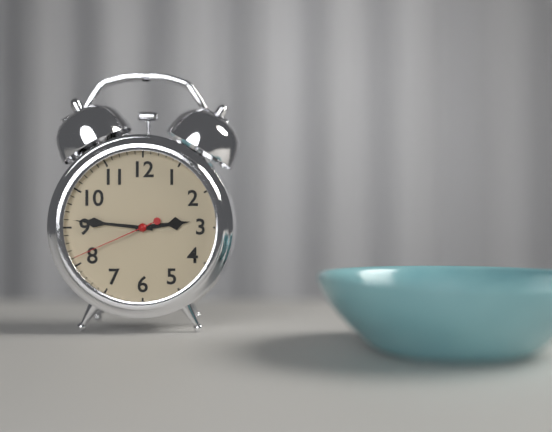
2:46:41
